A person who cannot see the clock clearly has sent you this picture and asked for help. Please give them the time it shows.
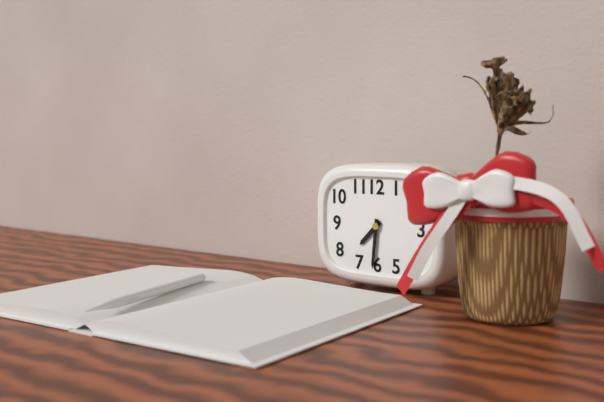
7:31
